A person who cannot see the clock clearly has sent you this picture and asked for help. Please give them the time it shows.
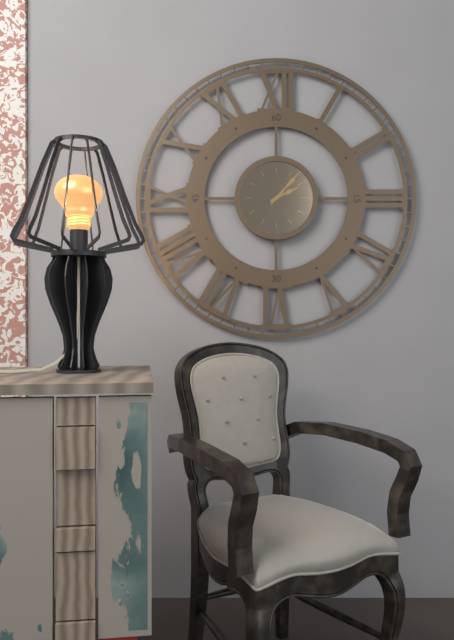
2:07
